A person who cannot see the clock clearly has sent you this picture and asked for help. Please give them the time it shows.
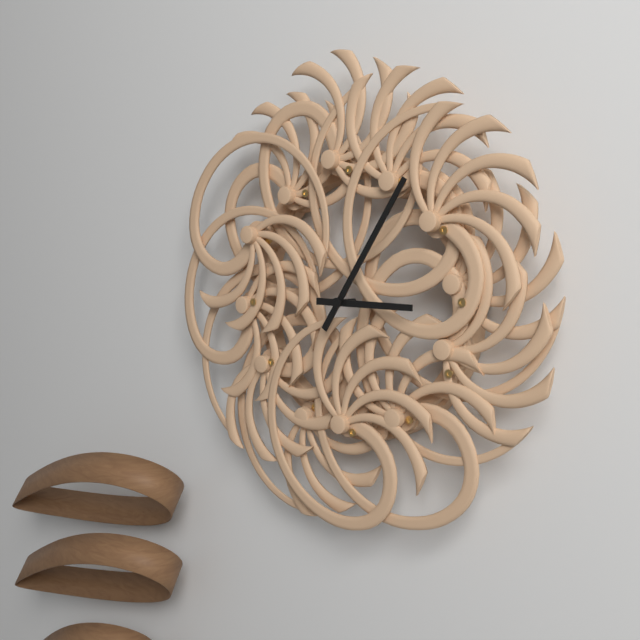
3:06
